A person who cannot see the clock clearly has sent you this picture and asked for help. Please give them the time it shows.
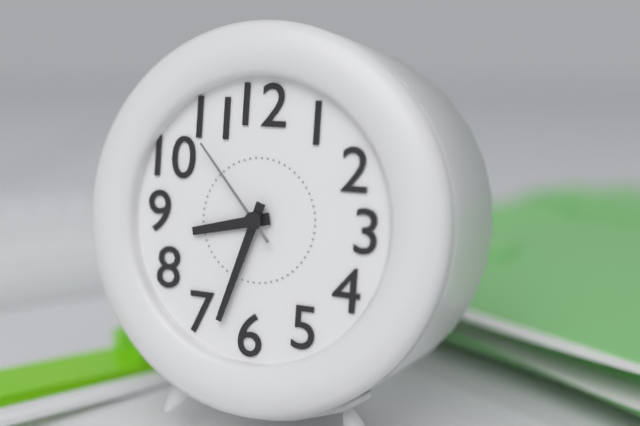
8:33:53
